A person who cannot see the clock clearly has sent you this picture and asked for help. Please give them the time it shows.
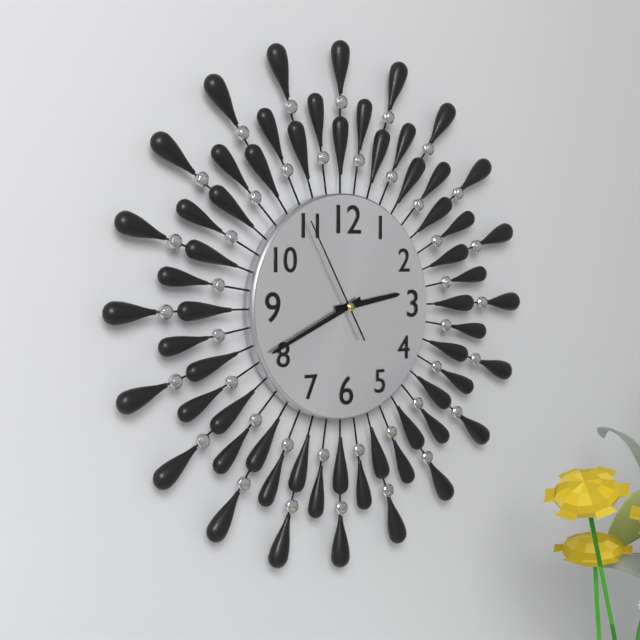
2:41:55
